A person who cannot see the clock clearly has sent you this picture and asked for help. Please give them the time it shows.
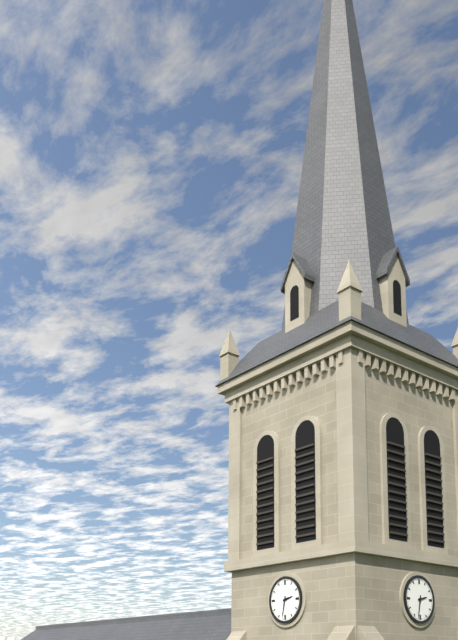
2:32
